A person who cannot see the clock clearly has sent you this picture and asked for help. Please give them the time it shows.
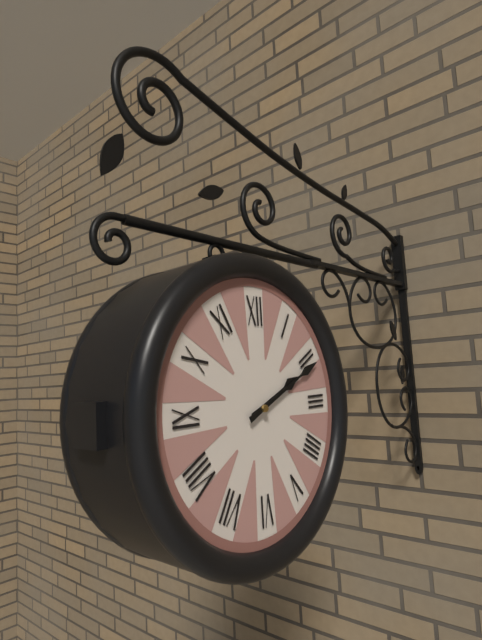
2:11
